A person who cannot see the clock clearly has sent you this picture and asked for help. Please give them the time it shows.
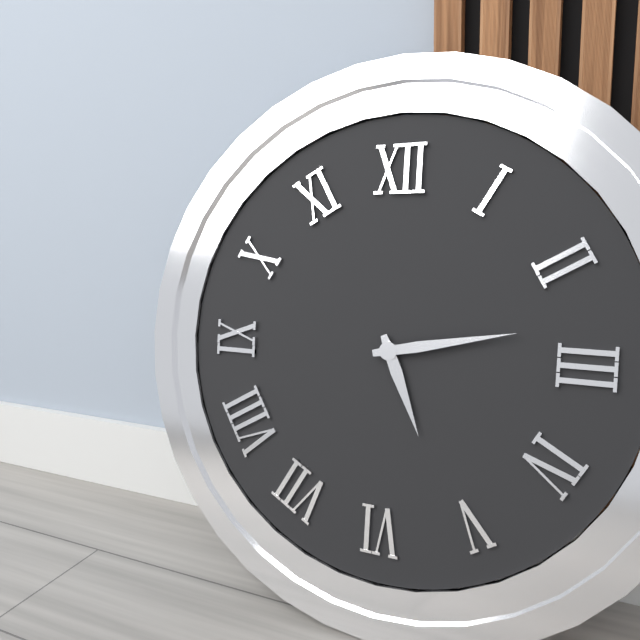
5:13
